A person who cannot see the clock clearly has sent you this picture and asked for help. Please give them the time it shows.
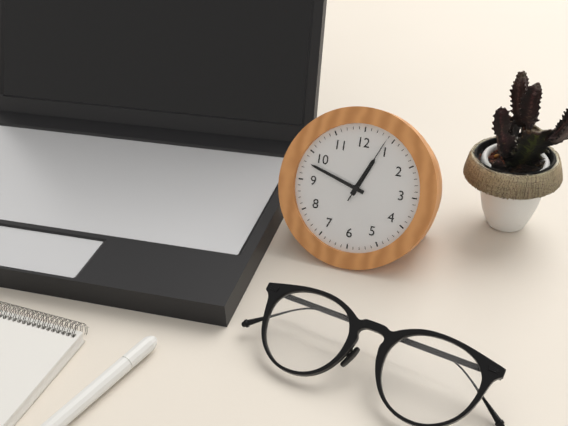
12:48:04
